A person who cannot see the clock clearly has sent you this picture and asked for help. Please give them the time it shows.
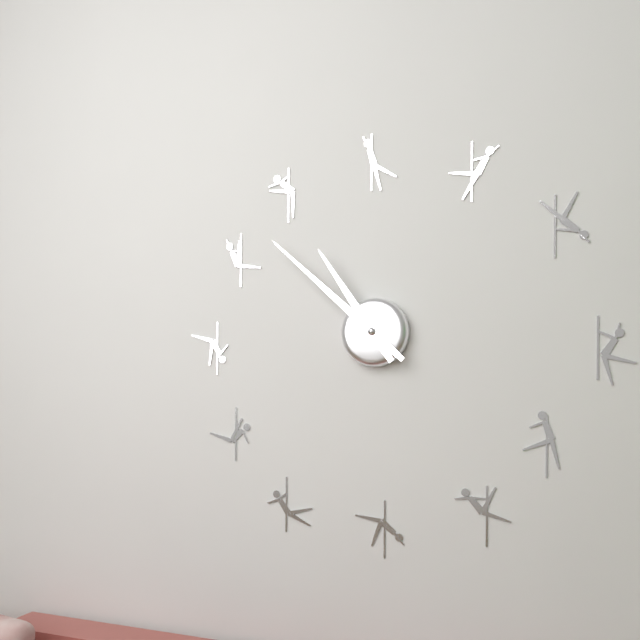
10:52
